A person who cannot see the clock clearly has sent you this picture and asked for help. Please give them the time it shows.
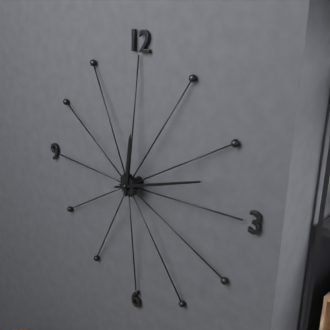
12:12
